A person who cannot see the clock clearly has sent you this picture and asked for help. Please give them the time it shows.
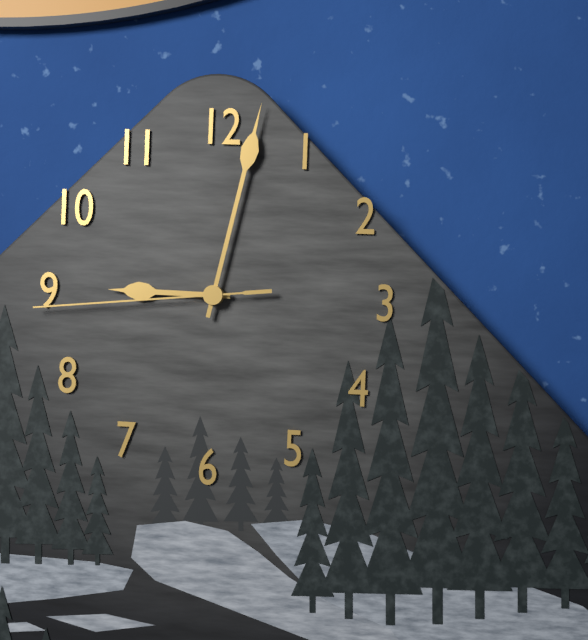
9:02:44
